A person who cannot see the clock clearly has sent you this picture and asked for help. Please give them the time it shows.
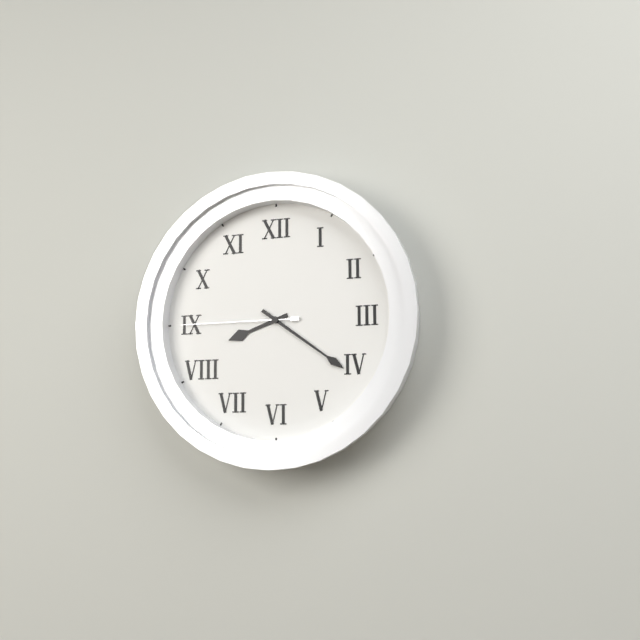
8:21:45
